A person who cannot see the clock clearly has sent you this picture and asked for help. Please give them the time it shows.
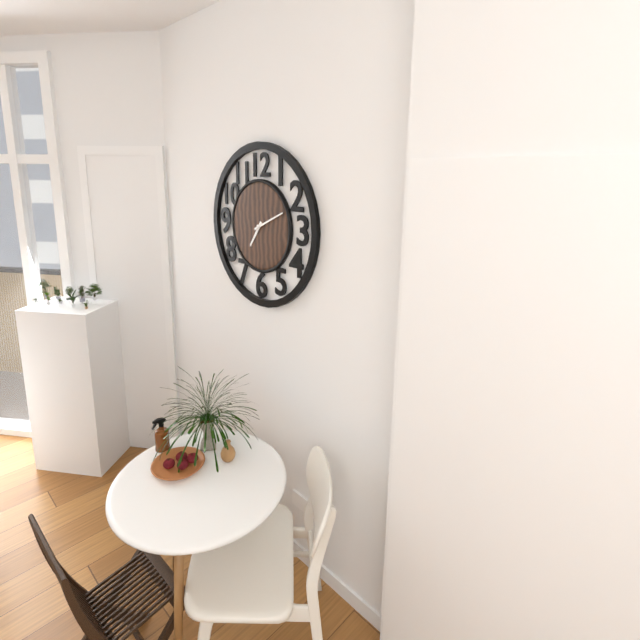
7:11
